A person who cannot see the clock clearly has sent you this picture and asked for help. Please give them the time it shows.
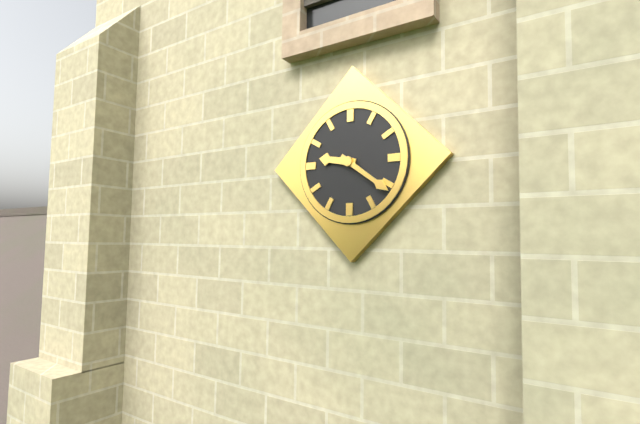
9:21
